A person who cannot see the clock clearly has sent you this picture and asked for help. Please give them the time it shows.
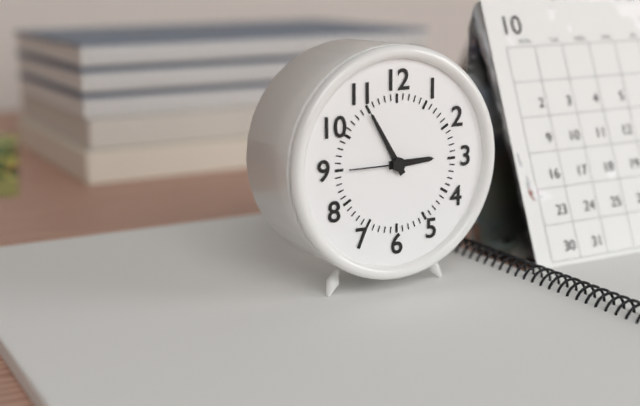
2:55:45
